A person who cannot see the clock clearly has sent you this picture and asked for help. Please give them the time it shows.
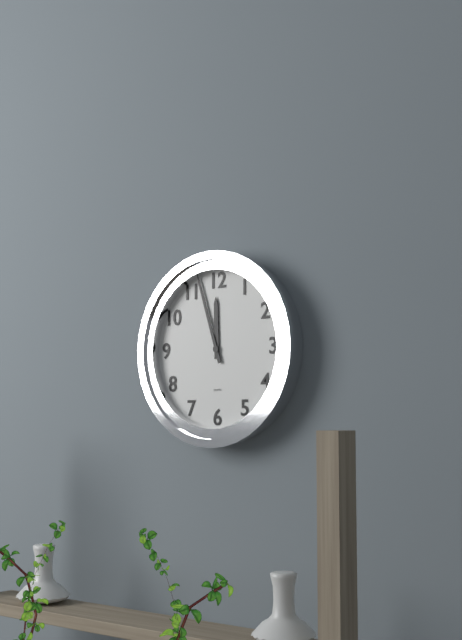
11:57
